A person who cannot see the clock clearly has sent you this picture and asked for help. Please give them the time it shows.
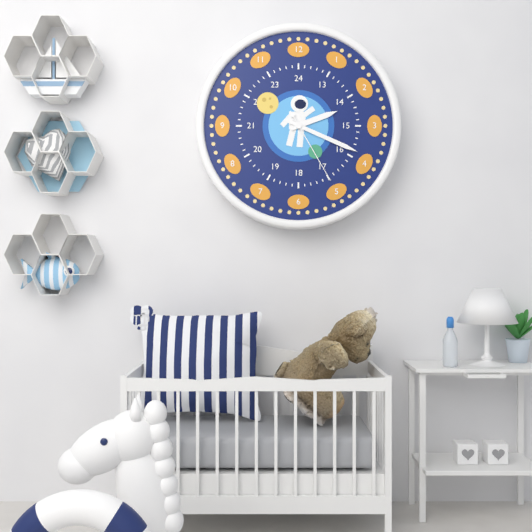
2:19:25
